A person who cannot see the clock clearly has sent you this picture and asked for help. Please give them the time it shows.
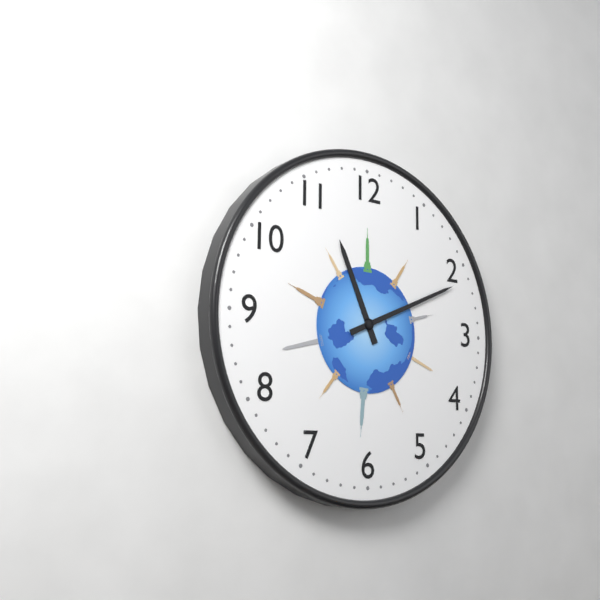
11:11
